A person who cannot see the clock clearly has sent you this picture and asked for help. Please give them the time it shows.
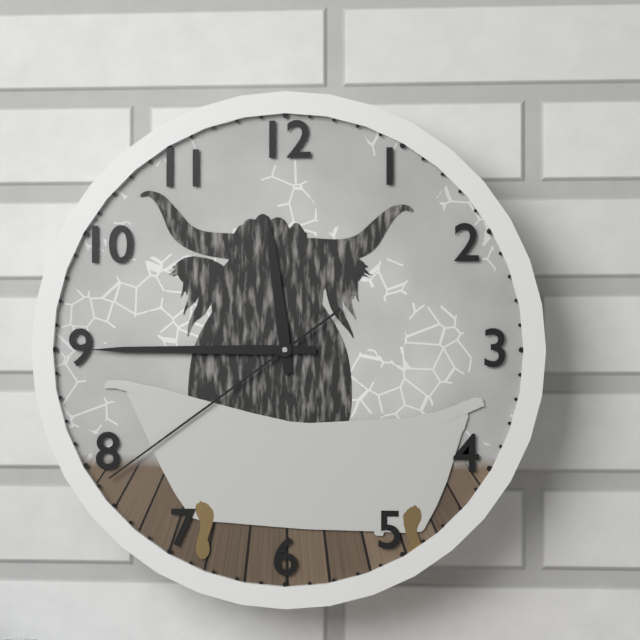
11:45:39
